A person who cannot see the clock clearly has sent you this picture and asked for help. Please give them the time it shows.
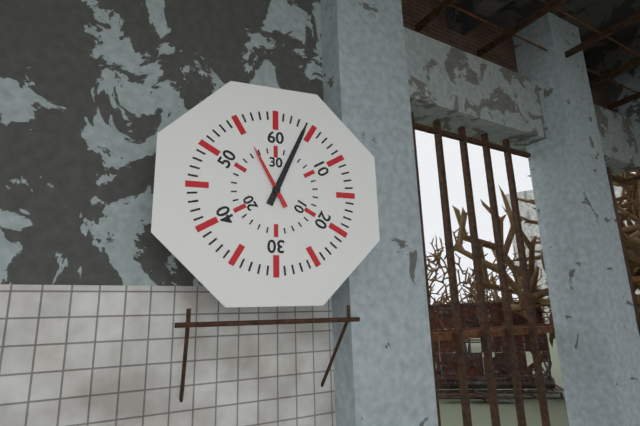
11:04
